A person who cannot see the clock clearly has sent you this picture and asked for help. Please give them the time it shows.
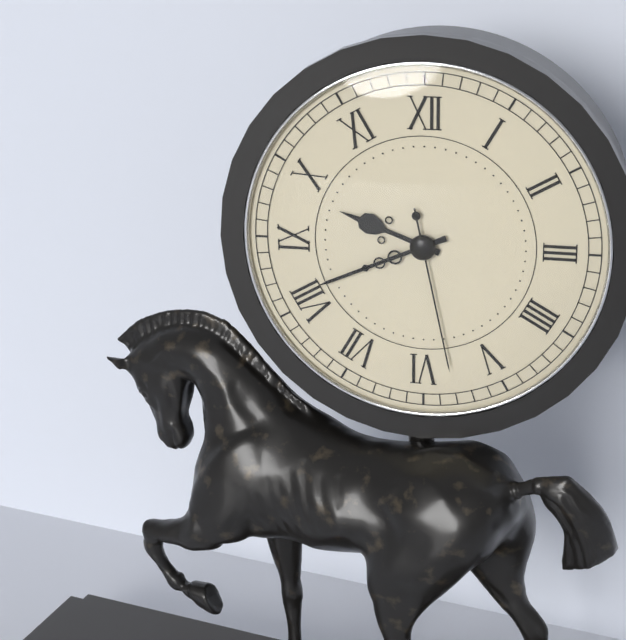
9:41:28
